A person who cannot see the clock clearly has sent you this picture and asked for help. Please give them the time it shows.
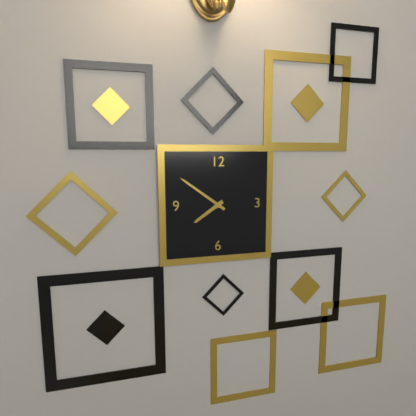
7:51
